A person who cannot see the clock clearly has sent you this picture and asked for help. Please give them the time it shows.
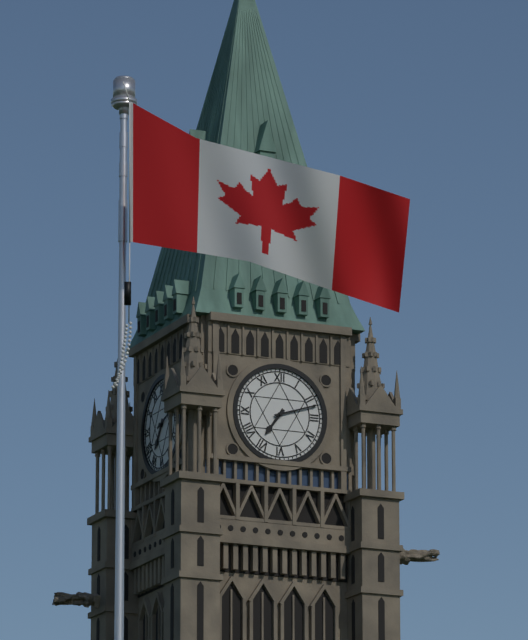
7:12
